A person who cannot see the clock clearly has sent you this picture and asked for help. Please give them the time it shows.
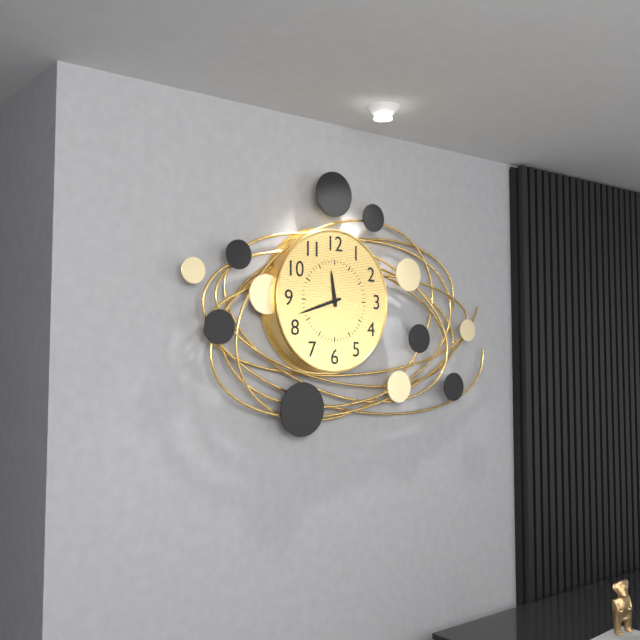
11:42
